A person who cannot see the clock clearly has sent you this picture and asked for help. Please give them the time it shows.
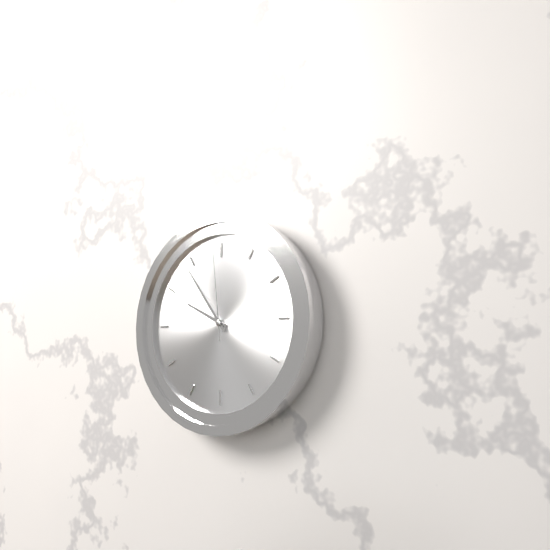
9:54:59
